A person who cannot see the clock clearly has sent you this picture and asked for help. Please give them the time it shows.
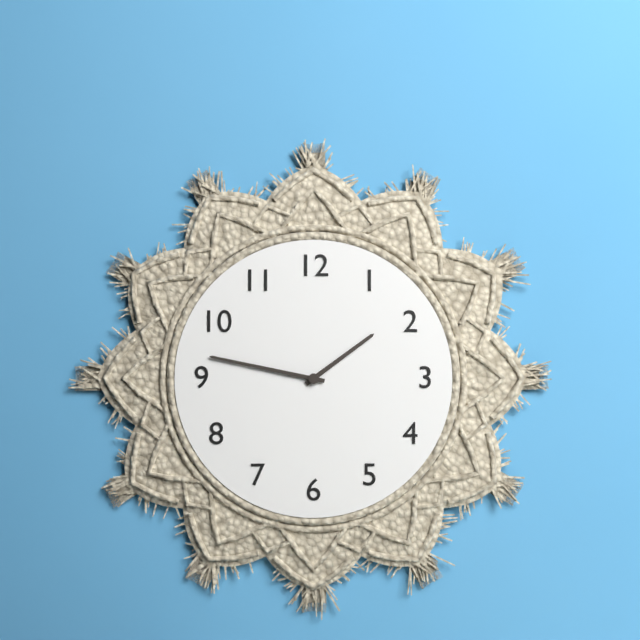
1:47
